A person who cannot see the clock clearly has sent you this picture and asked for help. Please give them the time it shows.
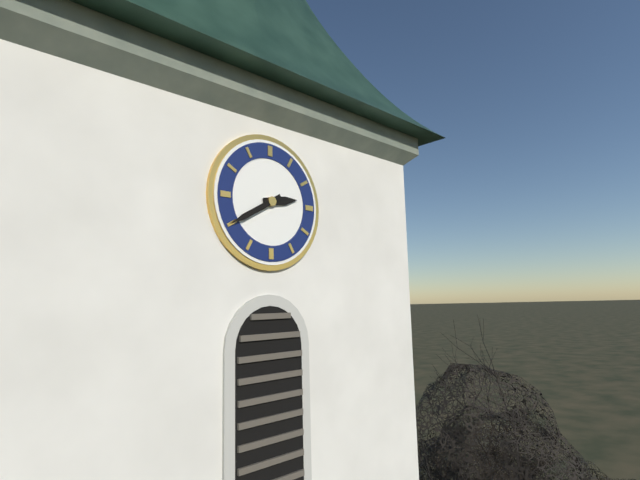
2:40
